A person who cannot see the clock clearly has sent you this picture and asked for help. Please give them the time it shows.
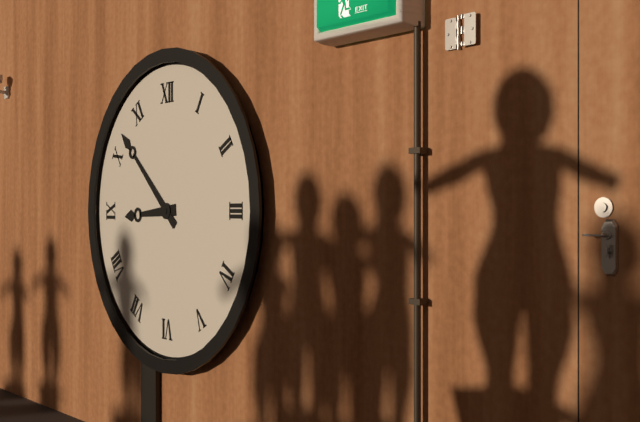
8:52
